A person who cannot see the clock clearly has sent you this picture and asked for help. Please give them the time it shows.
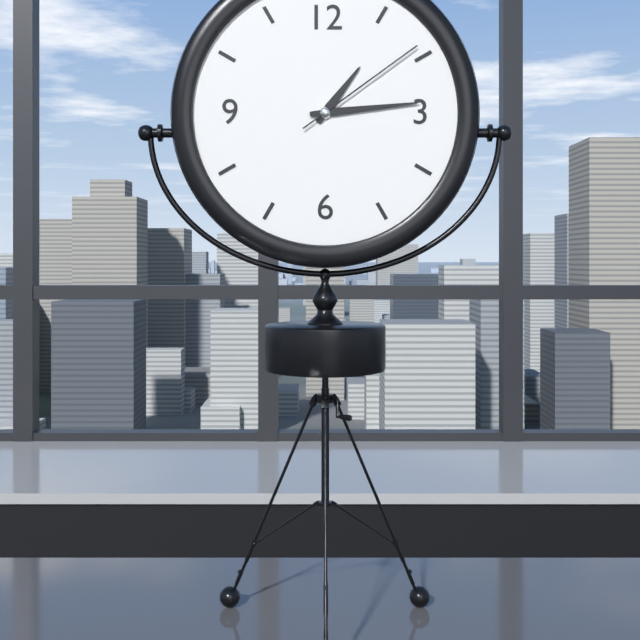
1:14:09
